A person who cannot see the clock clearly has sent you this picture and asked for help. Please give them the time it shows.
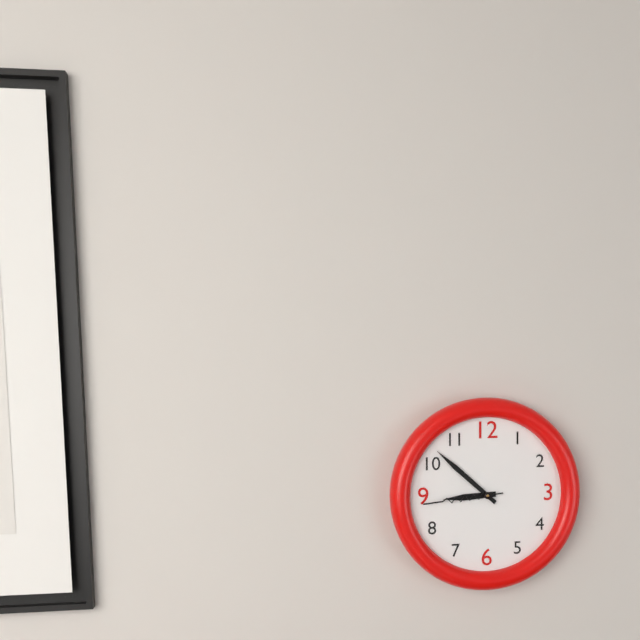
8:52:44
